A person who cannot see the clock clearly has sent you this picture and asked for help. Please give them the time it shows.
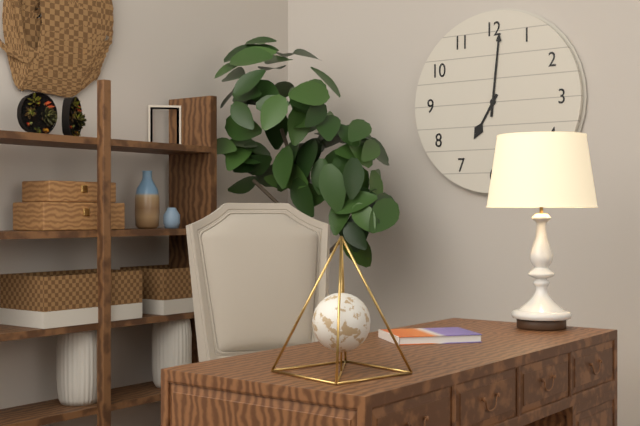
7:01
